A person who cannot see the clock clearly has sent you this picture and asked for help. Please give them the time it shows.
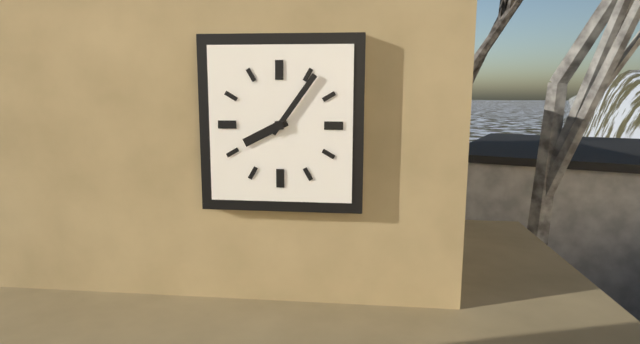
8:06
